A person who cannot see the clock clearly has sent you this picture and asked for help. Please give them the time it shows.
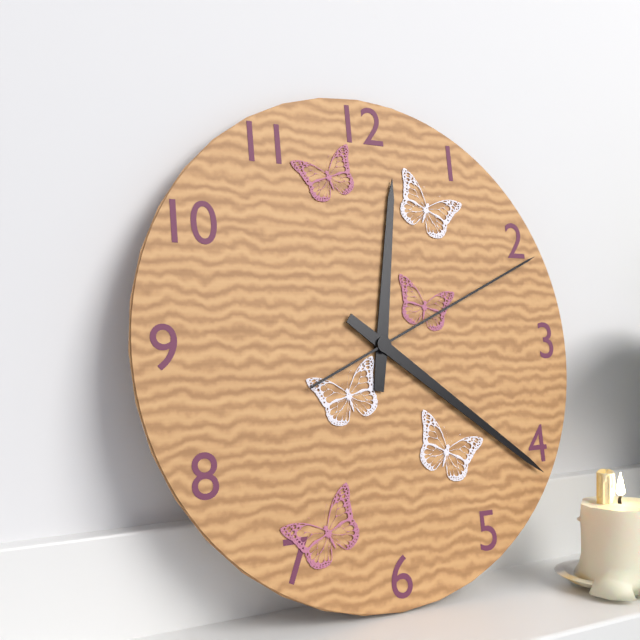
12:21:11
